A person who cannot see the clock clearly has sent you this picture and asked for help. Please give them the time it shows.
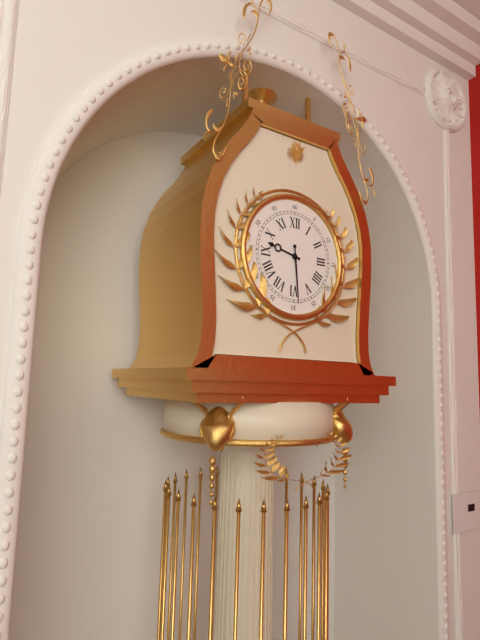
9:29
